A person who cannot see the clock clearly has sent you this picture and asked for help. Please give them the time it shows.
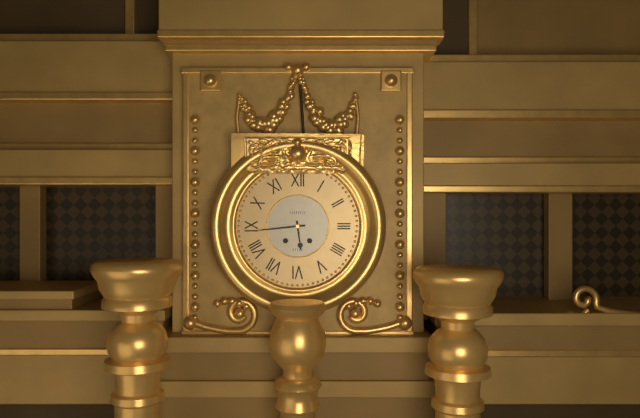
5:44
